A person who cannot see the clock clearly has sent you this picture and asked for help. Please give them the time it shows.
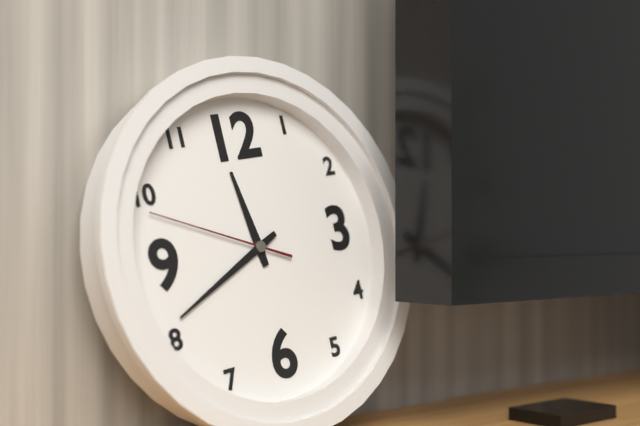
11:41:49
